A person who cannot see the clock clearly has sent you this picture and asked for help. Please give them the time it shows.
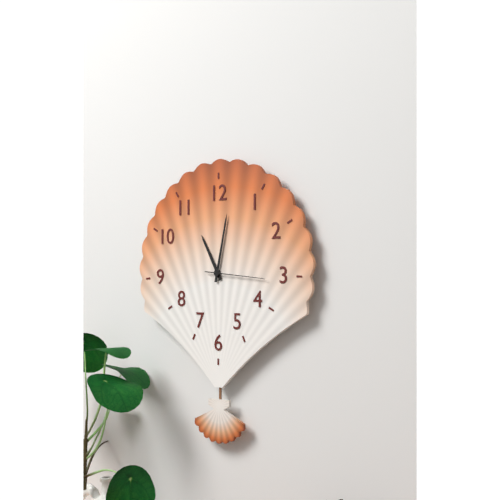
11:02:16
